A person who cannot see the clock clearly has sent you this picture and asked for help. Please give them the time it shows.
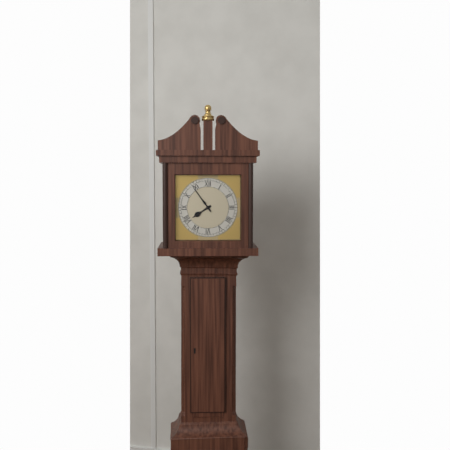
7:54
